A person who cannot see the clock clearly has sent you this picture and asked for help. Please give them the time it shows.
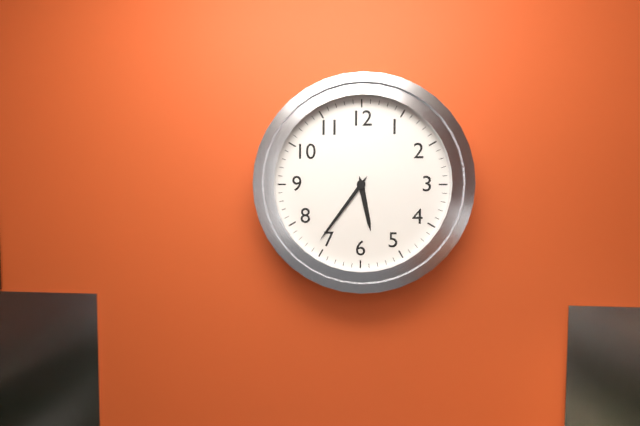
5:36
